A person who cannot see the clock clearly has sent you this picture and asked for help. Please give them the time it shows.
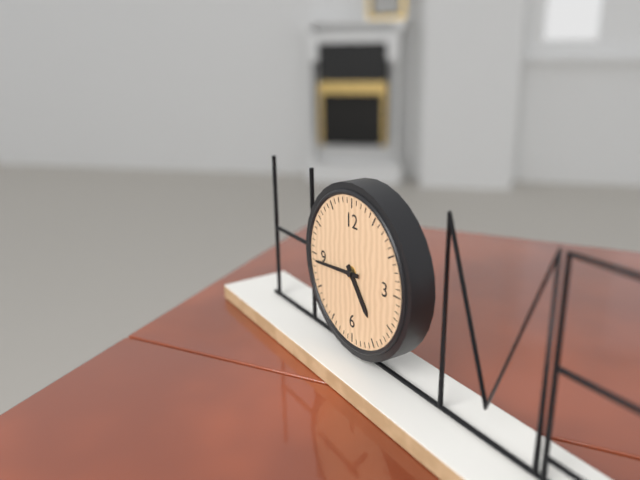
4:44
